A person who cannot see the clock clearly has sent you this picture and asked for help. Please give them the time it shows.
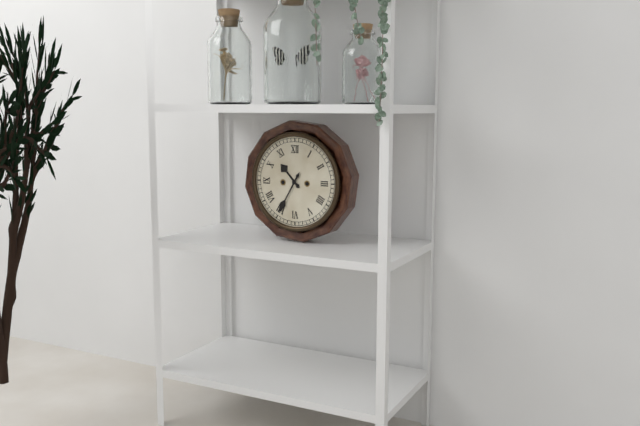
10:35
